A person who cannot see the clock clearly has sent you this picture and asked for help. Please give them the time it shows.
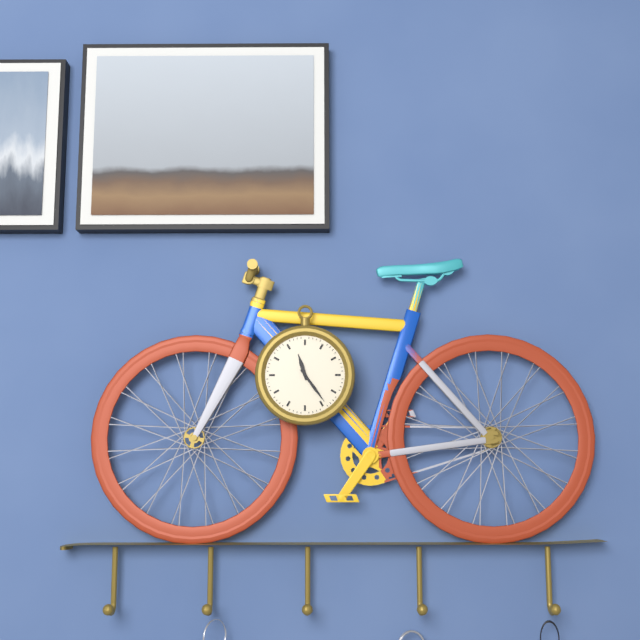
11:24
